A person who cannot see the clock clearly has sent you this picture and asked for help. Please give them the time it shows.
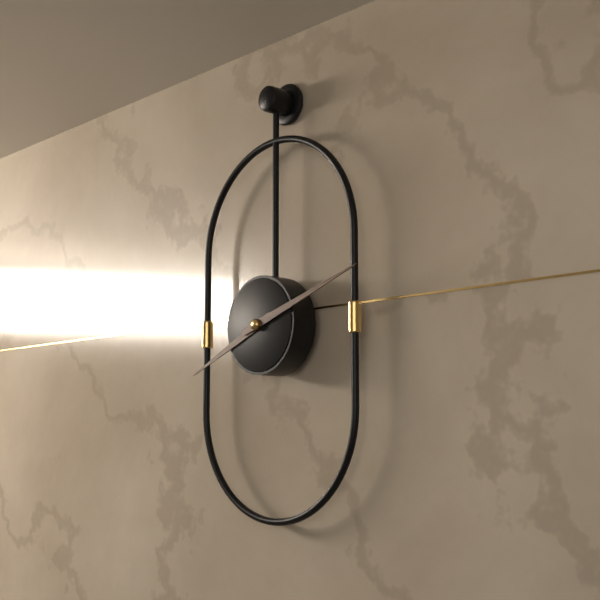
8:12
